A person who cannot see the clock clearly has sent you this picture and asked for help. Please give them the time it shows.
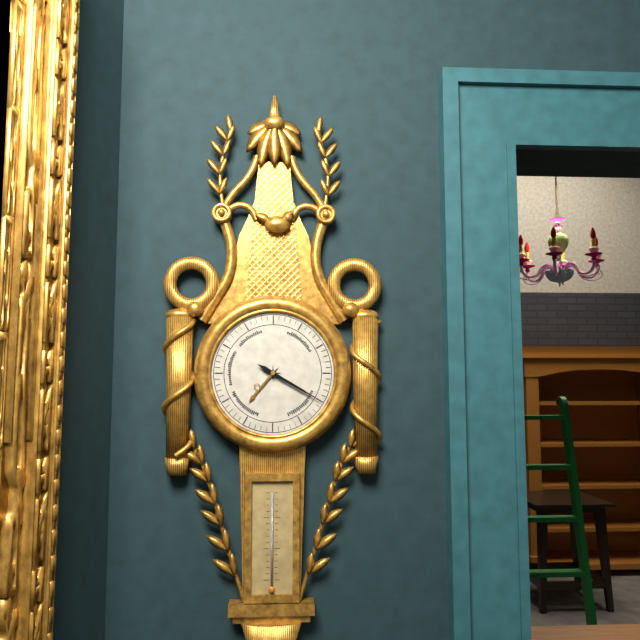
7:20
